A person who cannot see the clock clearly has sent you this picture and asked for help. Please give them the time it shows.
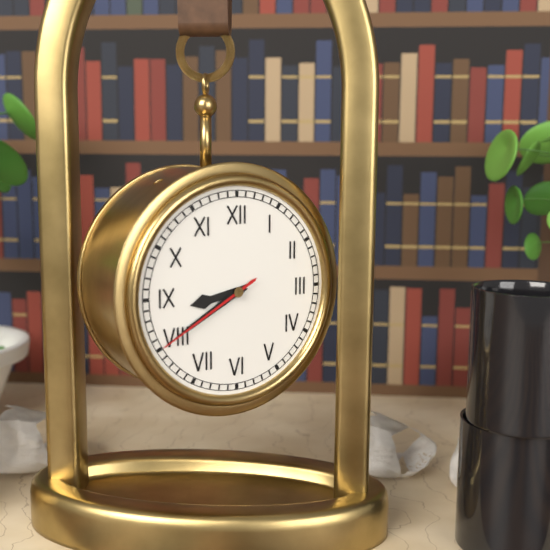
8:40:40
